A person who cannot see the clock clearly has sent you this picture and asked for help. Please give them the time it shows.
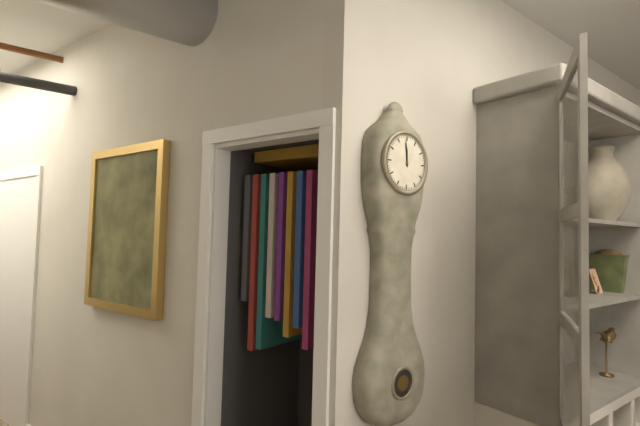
11:59
